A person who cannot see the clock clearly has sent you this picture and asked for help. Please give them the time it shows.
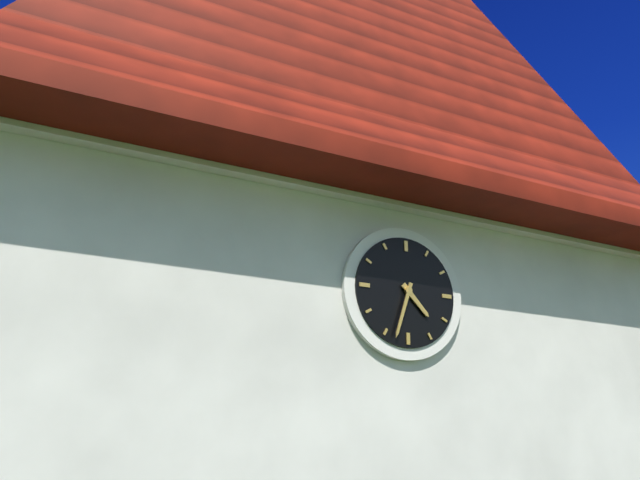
4:33
